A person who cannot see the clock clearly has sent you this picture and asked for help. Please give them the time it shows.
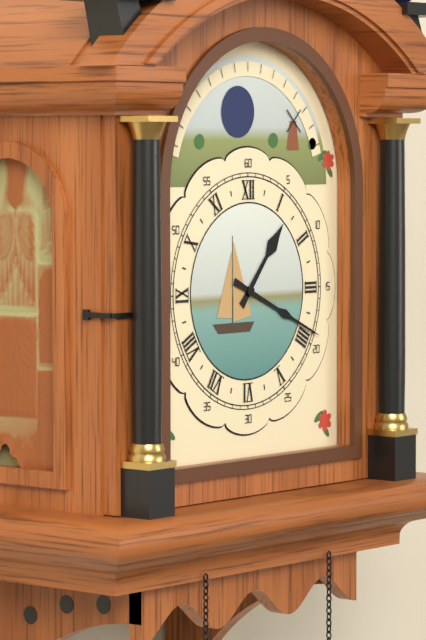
1:19
